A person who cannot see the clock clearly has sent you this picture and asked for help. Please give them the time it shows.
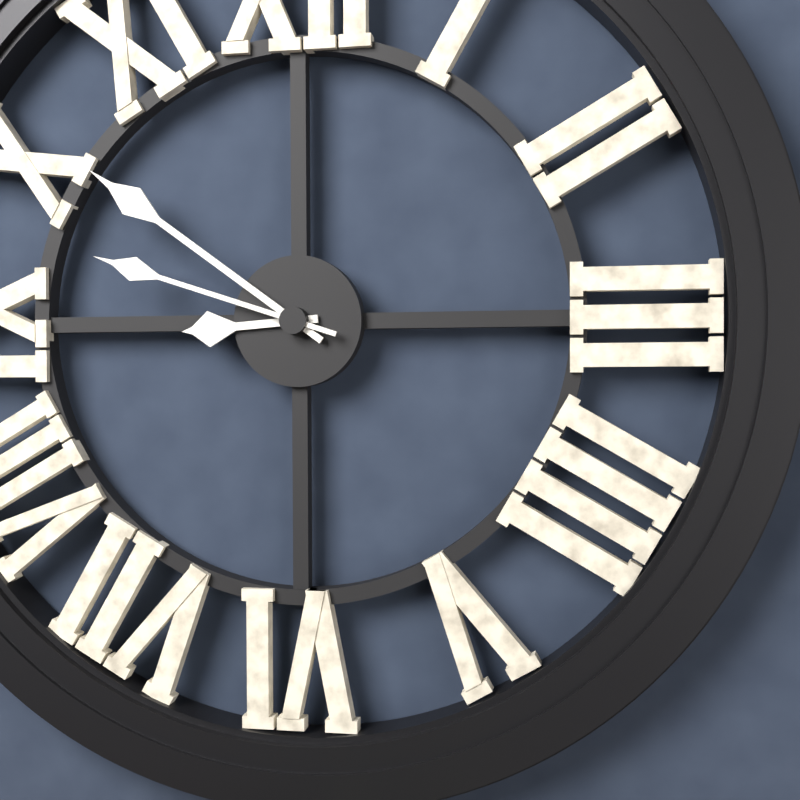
8:51:48
